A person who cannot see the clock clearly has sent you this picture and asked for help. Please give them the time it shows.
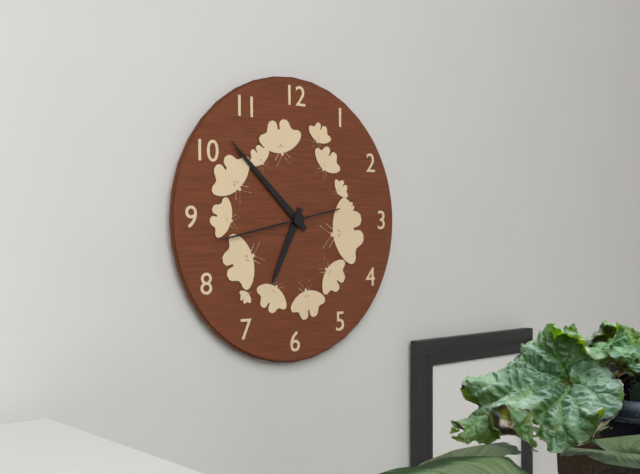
6:52:43
